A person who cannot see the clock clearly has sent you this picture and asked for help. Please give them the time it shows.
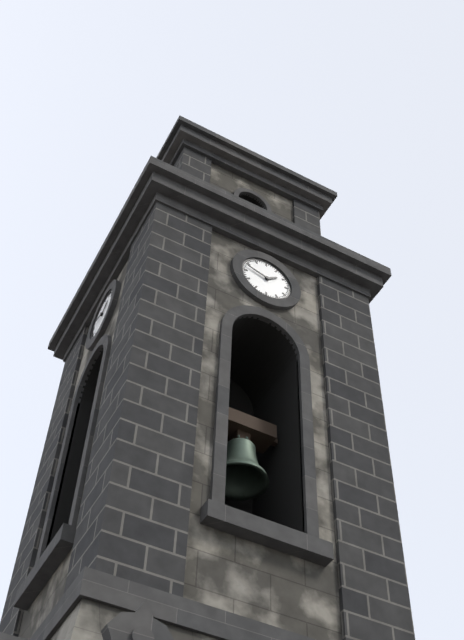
1:48
